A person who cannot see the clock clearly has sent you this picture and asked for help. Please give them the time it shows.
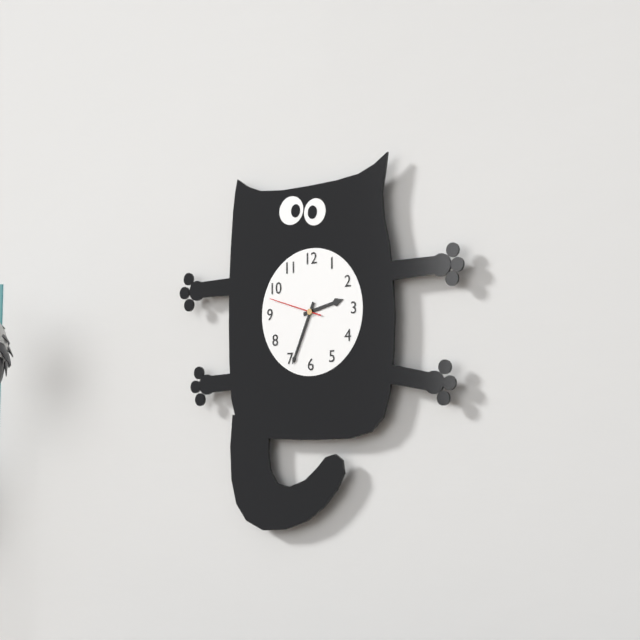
2:34:48
